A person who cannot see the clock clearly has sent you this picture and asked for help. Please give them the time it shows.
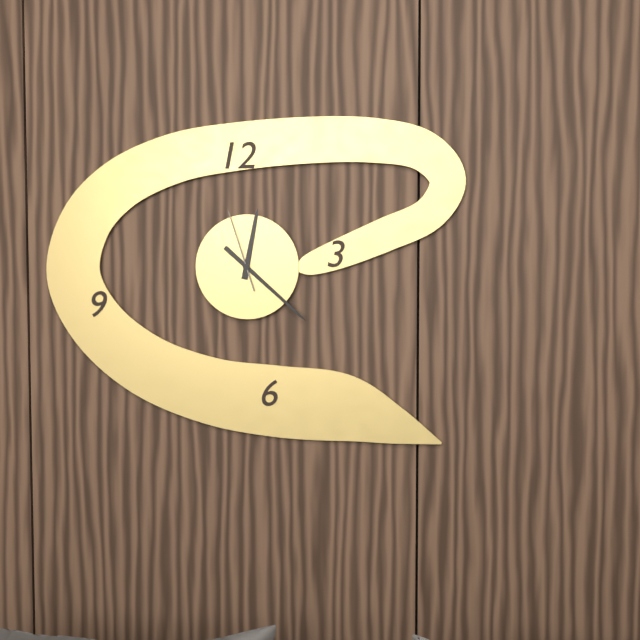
12:22:57
